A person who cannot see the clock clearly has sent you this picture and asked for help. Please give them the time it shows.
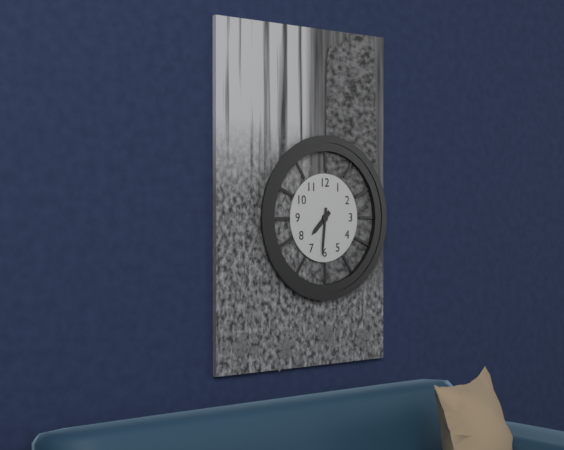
7:31
